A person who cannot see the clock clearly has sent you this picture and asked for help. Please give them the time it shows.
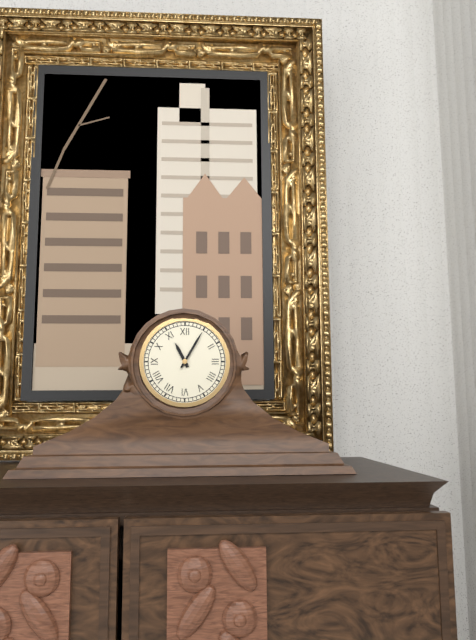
11:05
